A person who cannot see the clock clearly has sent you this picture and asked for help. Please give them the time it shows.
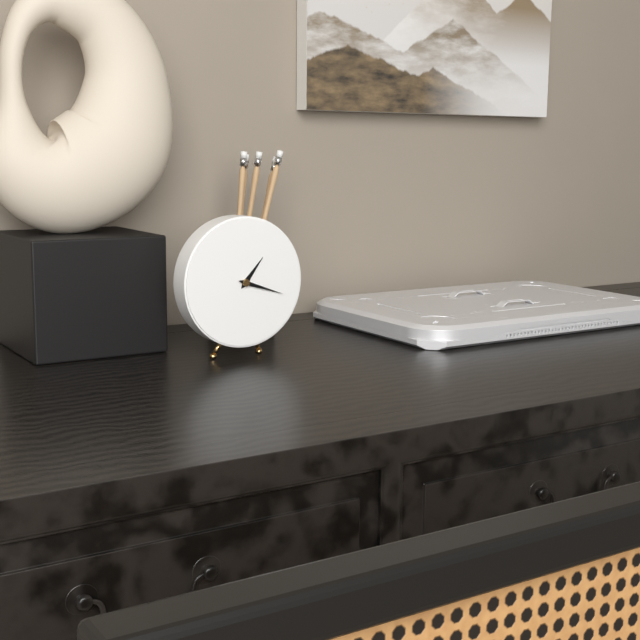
1:18
